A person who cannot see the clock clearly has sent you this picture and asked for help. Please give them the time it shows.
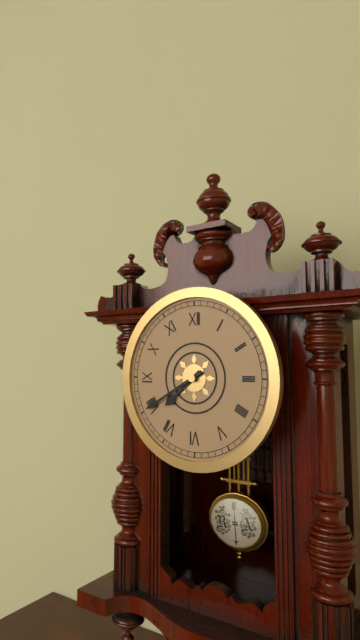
7:40
